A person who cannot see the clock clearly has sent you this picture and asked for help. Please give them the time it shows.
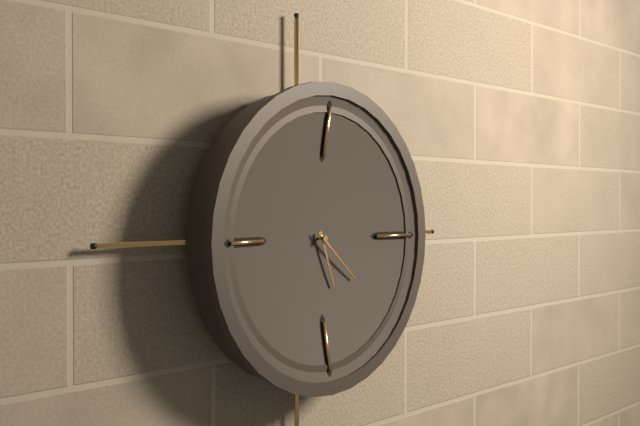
5:22
